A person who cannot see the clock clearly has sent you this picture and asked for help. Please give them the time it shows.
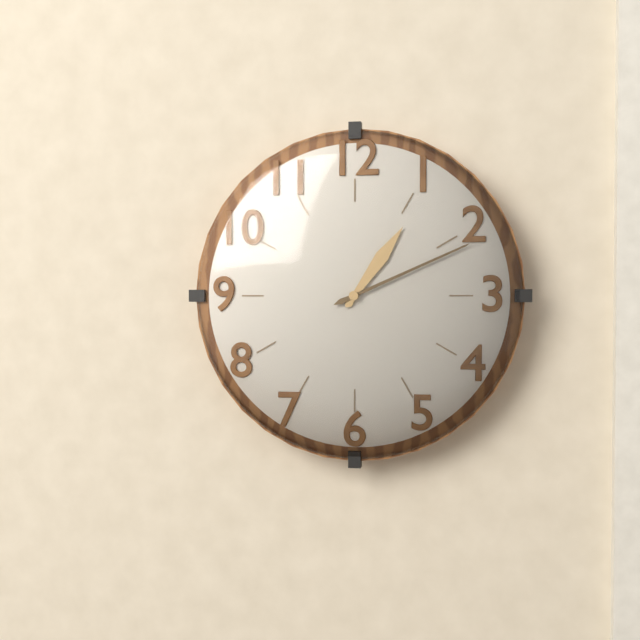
1:11
